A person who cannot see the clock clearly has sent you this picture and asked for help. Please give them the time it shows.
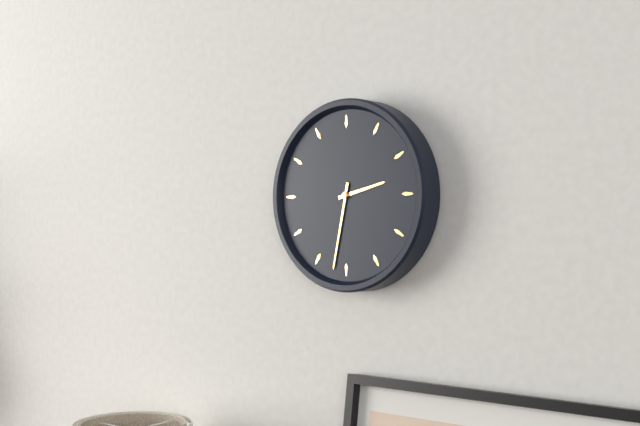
2:32
